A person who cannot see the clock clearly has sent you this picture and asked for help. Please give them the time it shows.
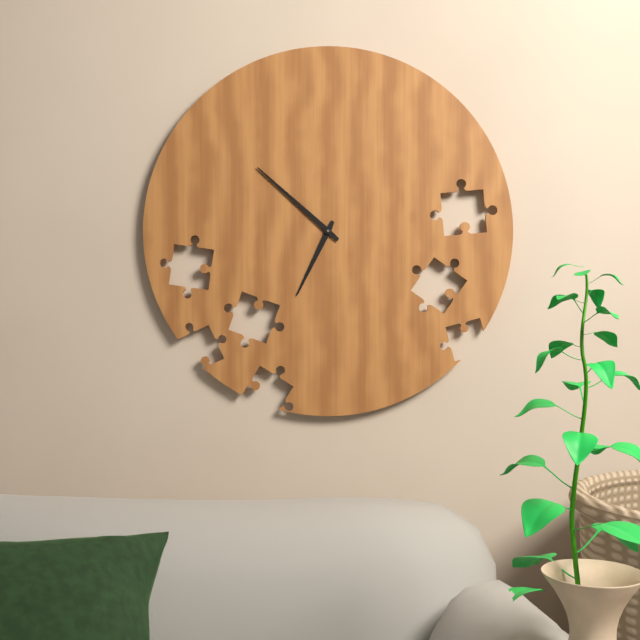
6:52
